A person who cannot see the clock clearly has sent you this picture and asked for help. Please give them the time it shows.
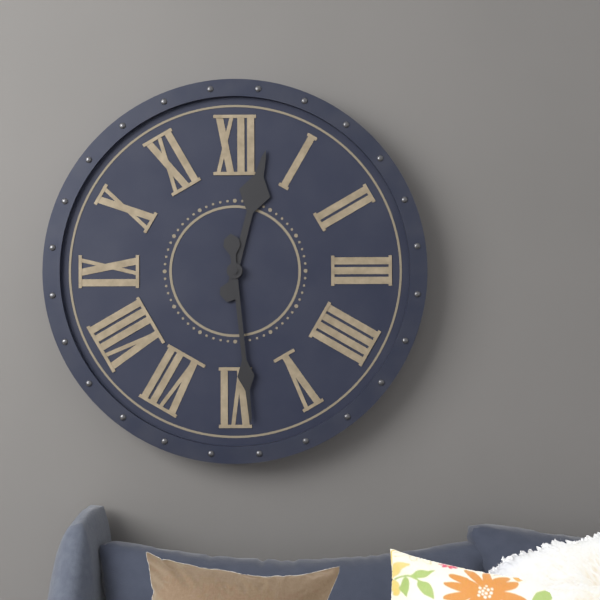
12:29
